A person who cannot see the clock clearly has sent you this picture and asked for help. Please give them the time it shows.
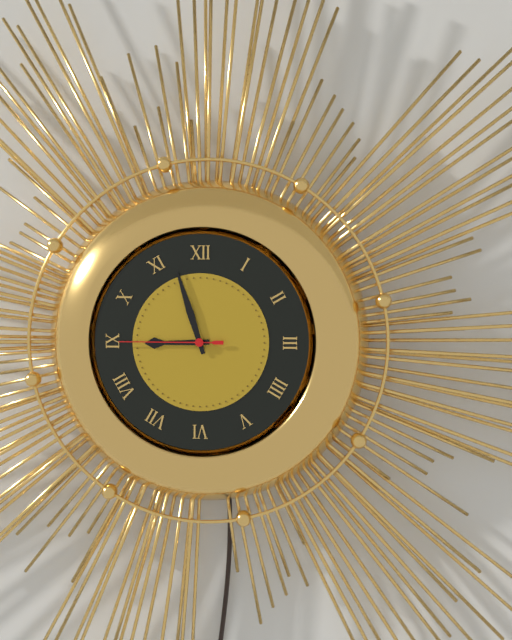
8:57:45
